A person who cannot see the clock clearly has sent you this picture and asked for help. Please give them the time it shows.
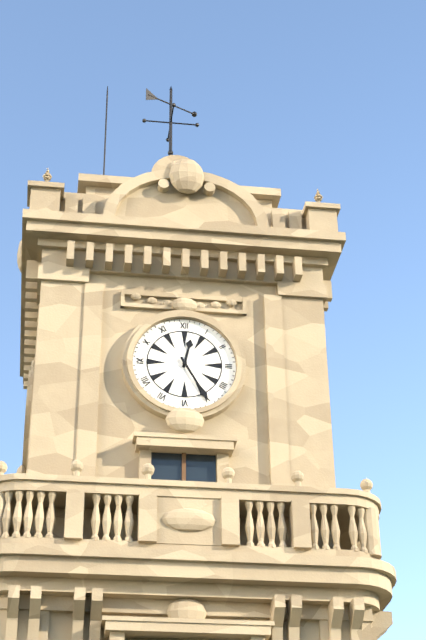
12:25
